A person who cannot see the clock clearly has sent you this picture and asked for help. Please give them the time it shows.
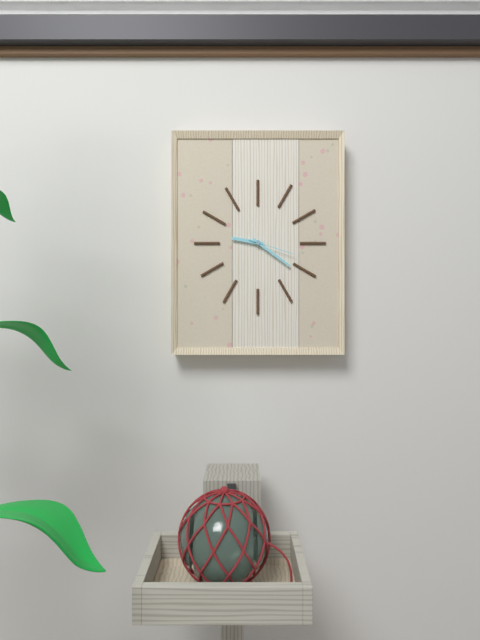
9:21
